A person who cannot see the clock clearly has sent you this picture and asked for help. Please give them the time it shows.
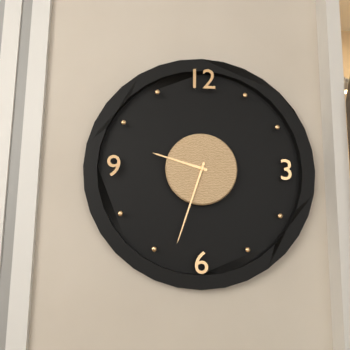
9:33
